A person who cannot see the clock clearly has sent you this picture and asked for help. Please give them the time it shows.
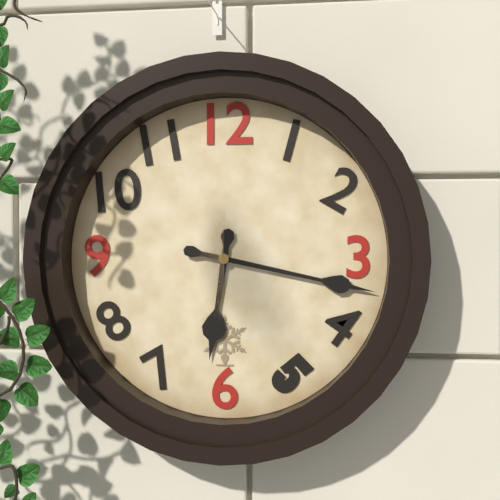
6:17
